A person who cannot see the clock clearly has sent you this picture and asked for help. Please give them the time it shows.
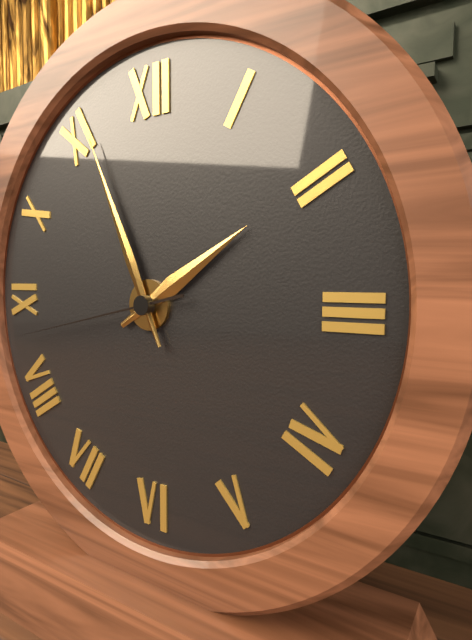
1:56:43
